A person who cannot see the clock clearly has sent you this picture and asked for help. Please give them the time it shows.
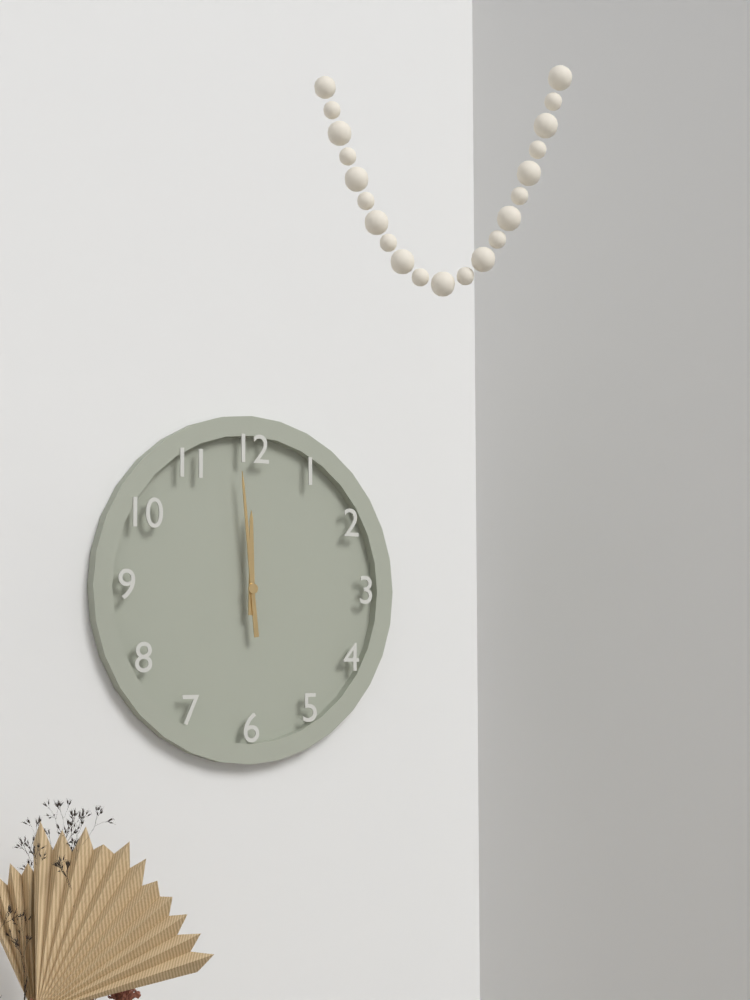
11:59
